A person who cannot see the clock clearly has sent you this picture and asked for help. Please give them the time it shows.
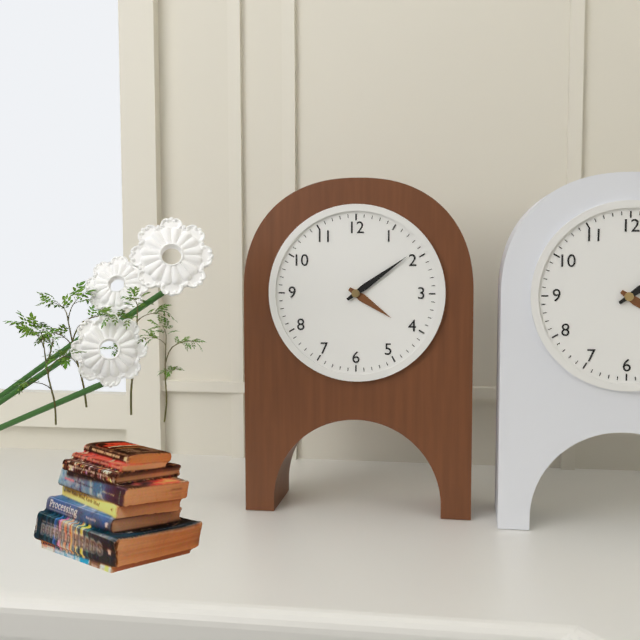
4:09
